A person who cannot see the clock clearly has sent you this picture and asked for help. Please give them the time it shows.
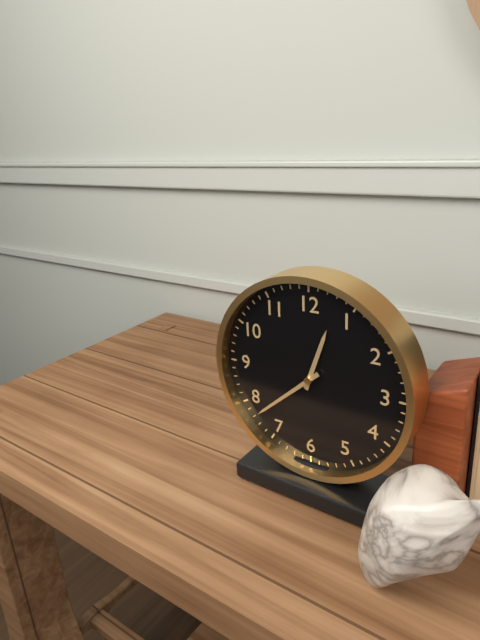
12:38
